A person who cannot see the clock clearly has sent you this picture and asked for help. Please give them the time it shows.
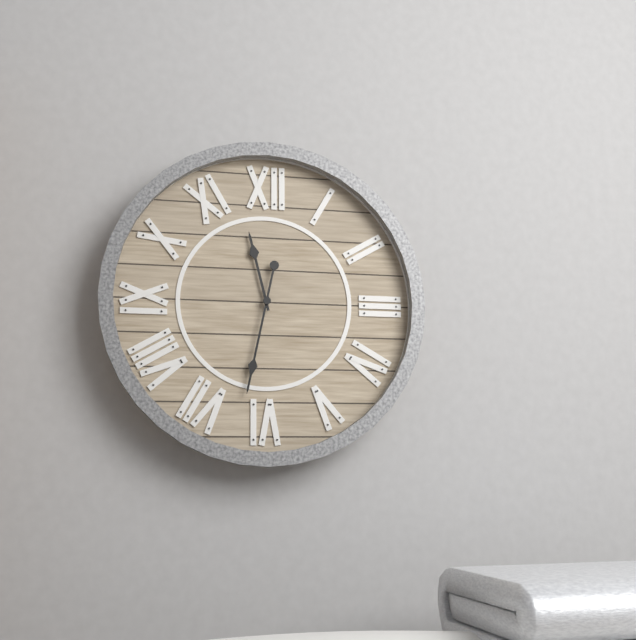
11:32
